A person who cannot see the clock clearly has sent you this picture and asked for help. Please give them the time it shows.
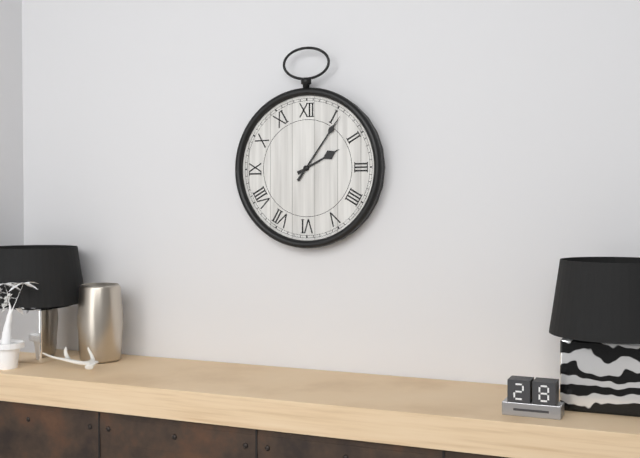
2:06
